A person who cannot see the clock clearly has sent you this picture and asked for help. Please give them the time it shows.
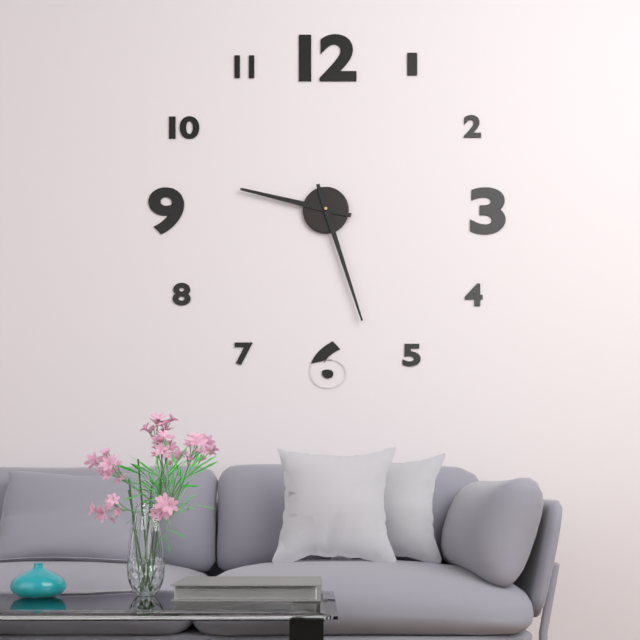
9:27
